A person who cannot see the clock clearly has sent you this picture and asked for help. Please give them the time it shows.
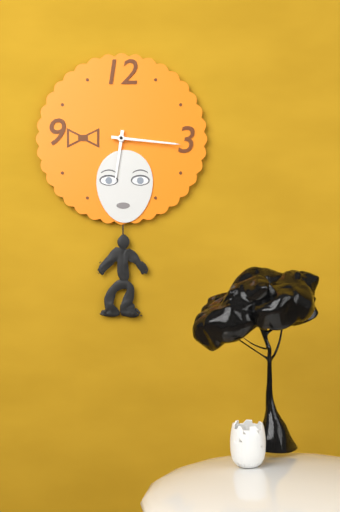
6:16
